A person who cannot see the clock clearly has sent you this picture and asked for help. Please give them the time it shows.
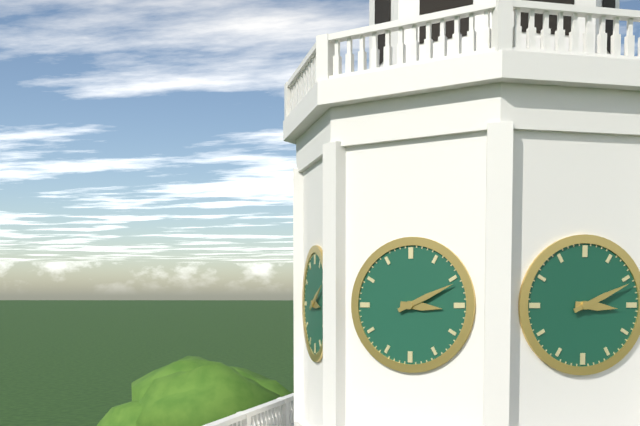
3:11
